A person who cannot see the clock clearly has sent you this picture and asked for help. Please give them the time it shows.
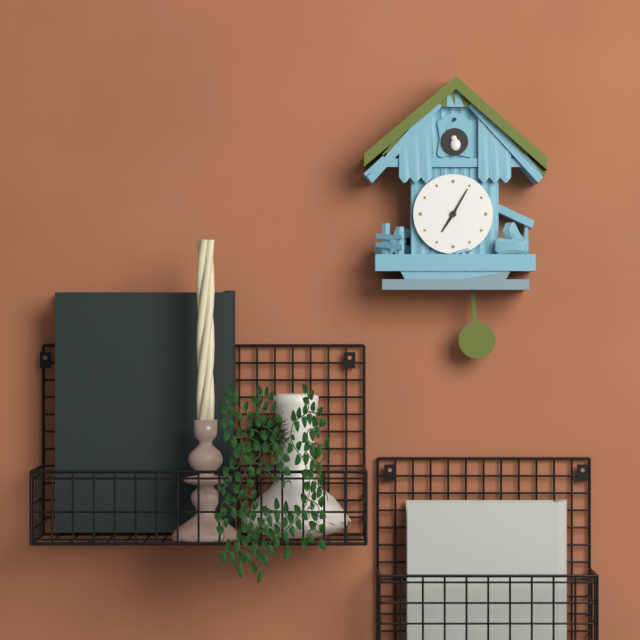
7:05
